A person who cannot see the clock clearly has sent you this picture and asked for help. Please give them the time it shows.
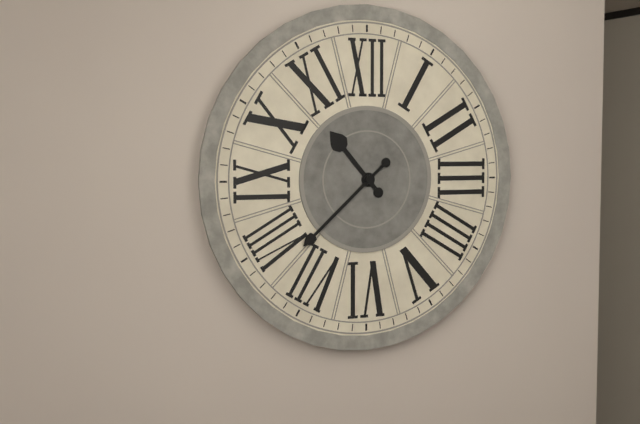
10:38
